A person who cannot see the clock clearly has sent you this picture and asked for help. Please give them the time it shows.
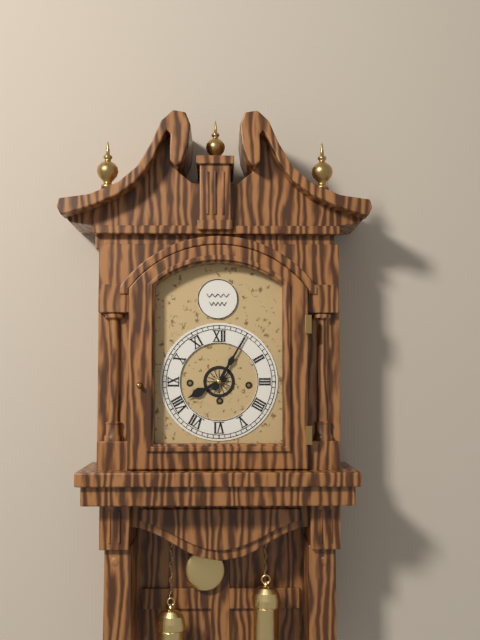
8:05
